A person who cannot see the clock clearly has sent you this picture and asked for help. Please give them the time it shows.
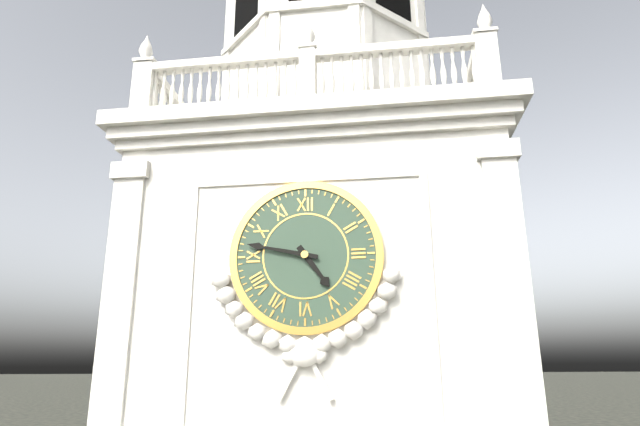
4:47
